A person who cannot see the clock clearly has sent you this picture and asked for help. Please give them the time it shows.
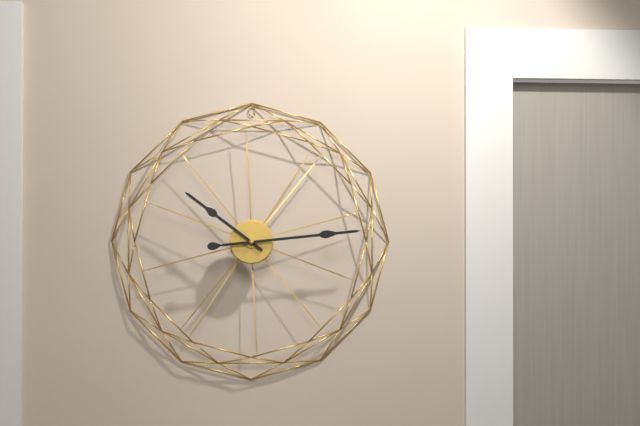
10:14
